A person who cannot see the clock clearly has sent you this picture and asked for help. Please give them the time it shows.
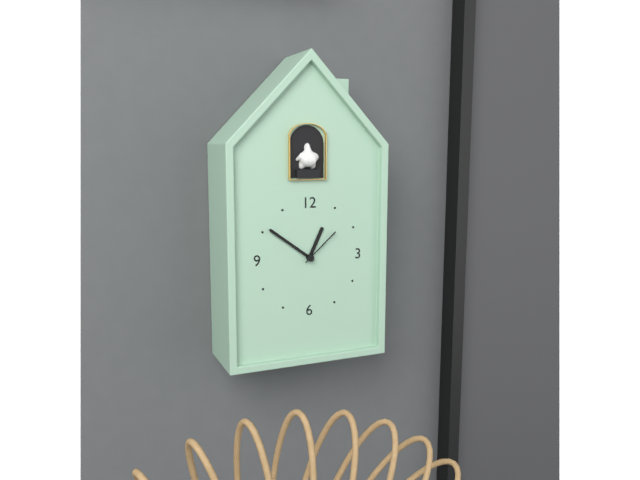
12:51
